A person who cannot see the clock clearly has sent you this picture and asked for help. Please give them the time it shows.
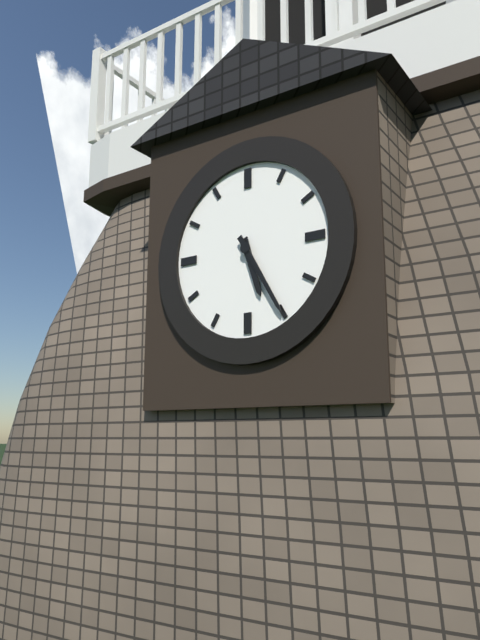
5:25
